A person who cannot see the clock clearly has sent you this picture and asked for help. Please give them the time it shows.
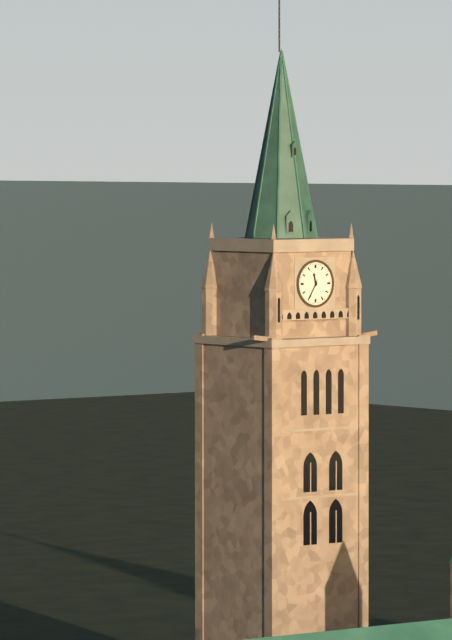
11:35
